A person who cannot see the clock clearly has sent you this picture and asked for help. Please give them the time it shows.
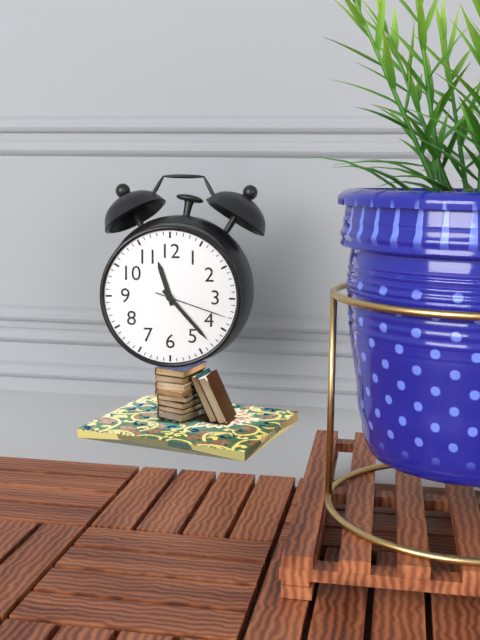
11:23:18
